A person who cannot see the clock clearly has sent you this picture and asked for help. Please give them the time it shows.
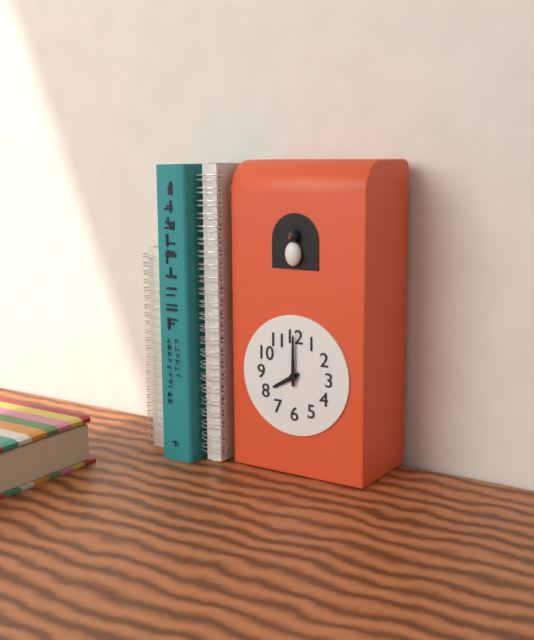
8:00
